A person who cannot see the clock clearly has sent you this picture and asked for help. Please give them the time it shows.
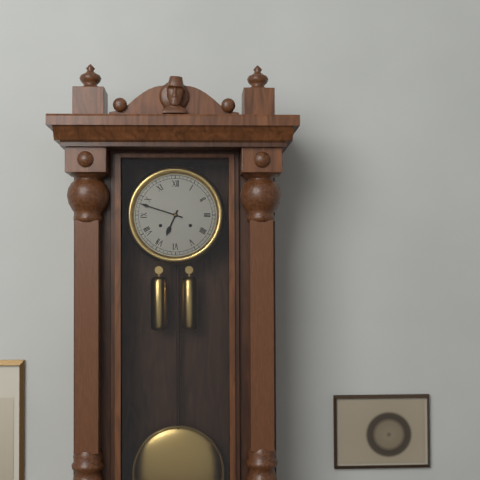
6:48
